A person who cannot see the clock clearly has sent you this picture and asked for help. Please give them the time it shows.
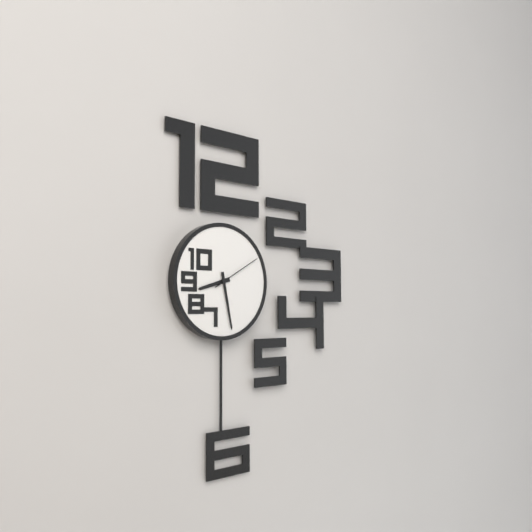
8:28
